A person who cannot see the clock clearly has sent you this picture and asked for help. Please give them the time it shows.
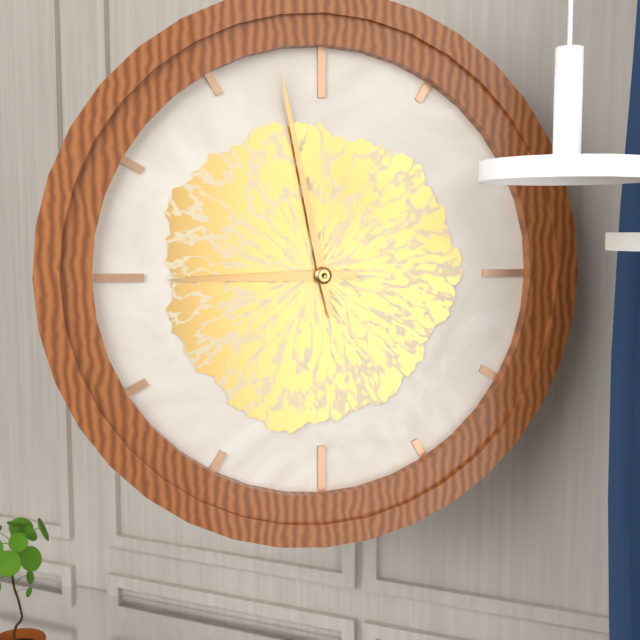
8:58
